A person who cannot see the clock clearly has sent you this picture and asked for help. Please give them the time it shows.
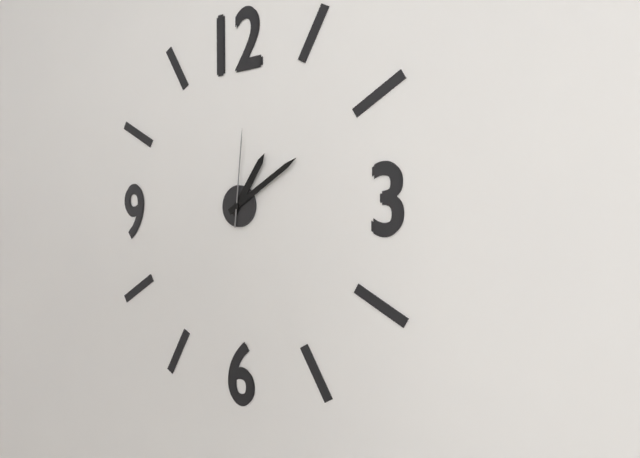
1:10:01
